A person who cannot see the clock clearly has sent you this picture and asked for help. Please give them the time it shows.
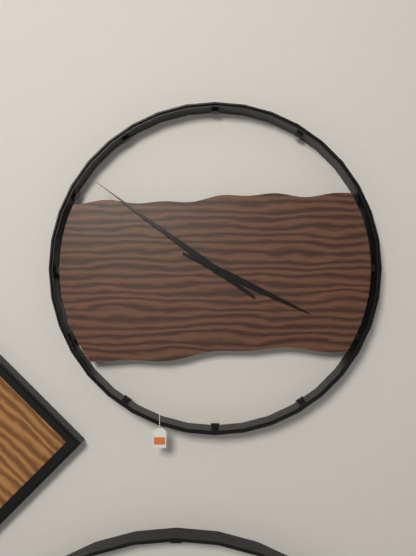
3:51
